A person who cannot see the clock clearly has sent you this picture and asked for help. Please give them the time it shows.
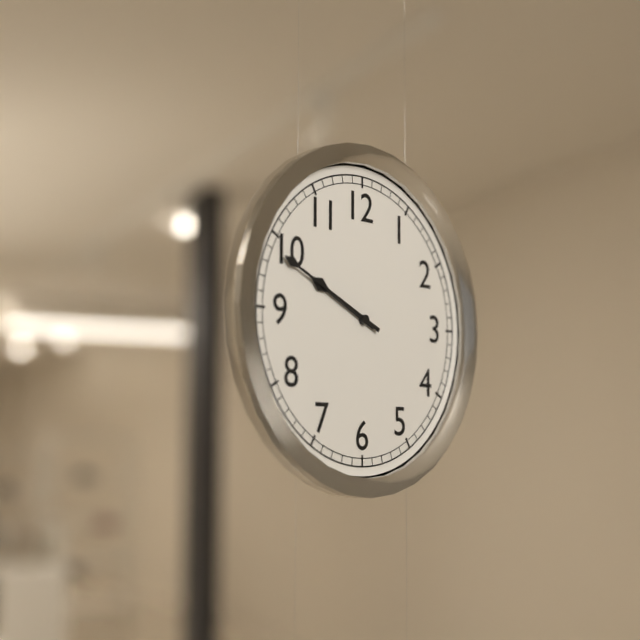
9:49
